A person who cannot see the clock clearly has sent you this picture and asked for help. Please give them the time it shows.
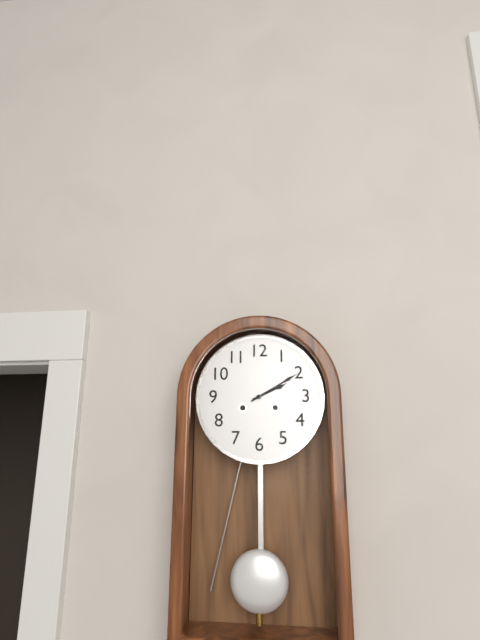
2:10
